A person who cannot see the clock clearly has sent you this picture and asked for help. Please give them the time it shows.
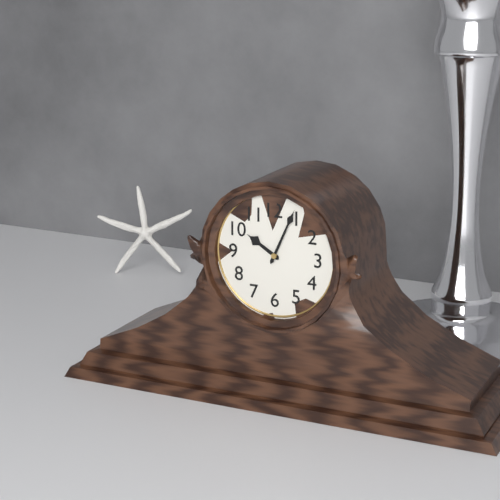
10:04
